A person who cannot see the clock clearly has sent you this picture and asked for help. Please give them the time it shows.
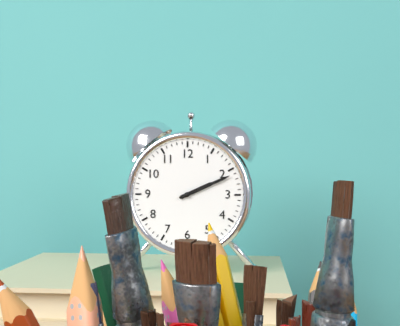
2:11
